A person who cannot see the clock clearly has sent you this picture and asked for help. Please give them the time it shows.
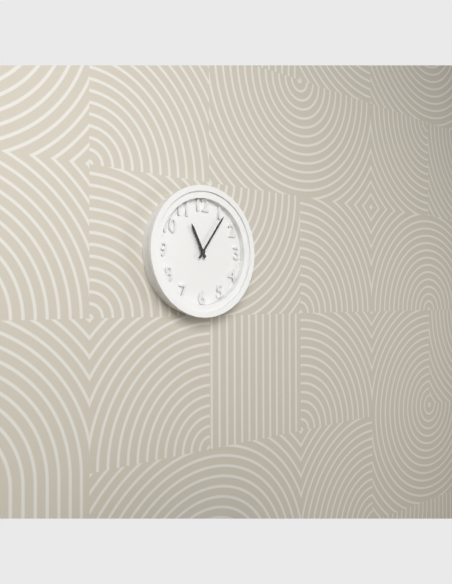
11:06
